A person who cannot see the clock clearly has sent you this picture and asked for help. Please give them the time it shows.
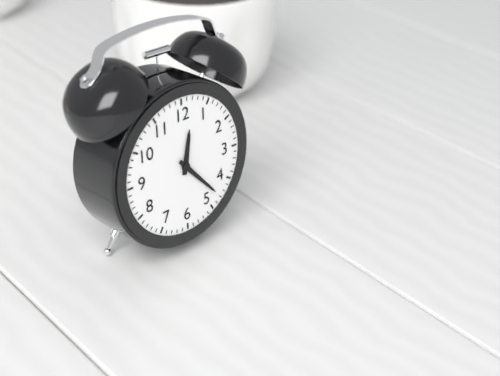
12:23
